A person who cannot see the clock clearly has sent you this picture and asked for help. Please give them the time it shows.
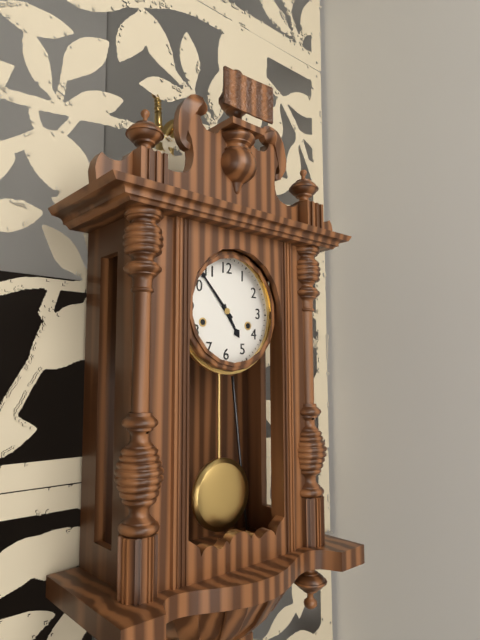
4:53
